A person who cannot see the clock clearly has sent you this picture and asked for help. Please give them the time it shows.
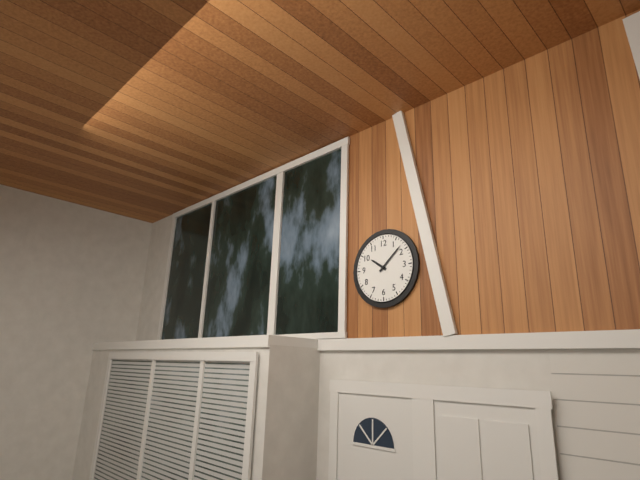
10:08
